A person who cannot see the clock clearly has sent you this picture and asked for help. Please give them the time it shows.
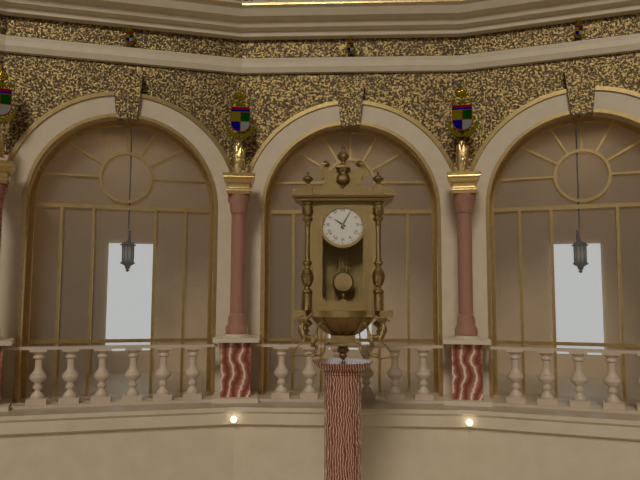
10:05
